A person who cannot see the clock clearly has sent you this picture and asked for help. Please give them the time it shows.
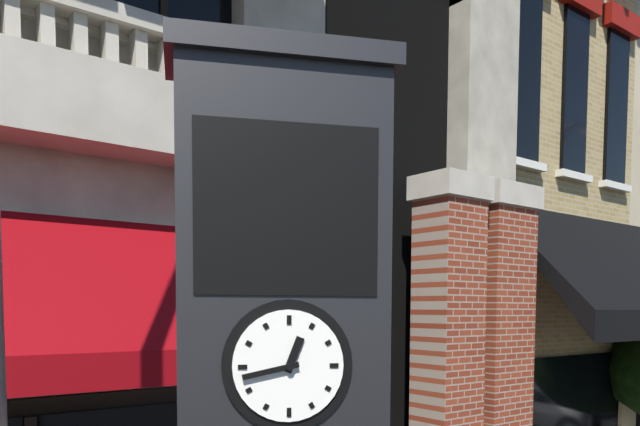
12:43
